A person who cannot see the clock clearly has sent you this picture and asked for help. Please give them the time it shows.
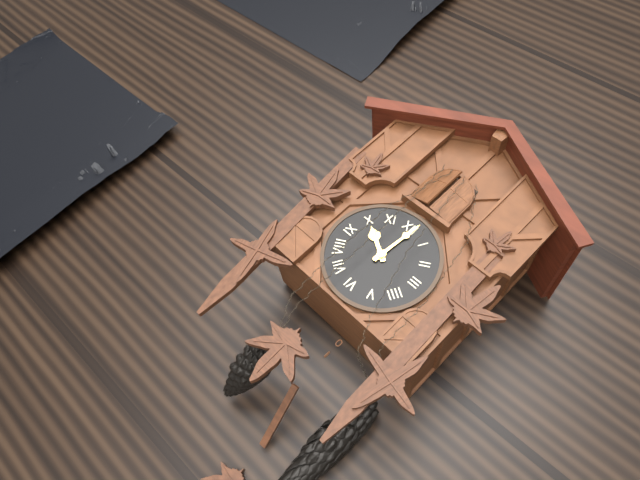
10:01
